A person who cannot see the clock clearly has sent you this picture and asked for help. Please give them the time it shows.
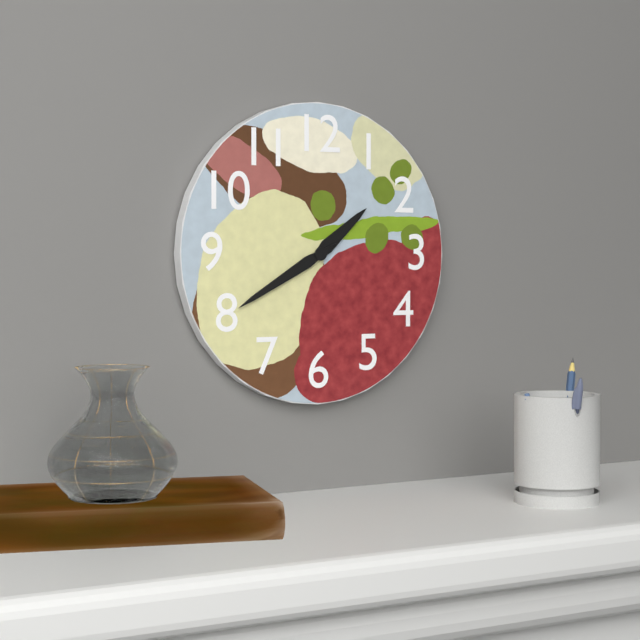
1:40
